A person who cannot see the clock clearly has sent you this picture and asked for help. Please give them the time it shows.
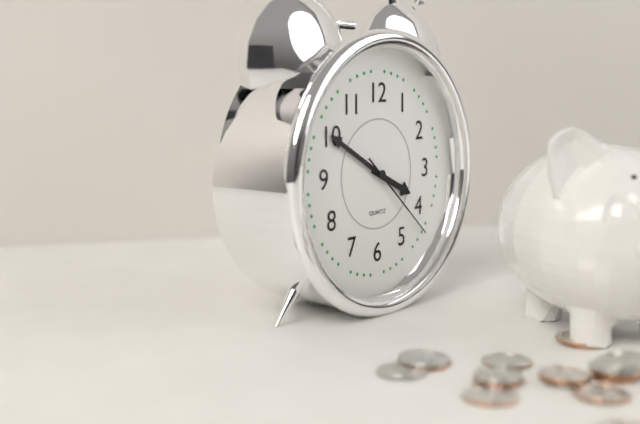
3:50:22
